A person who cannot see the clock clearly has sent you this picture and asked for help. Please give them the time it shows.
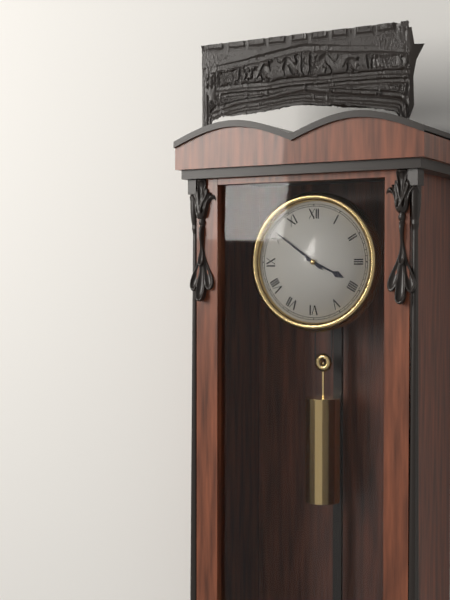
3:51
